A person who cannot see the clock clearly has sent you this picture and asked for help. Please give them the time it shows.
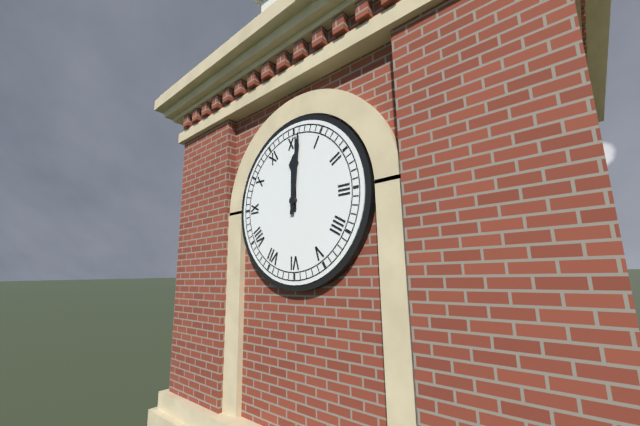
12:01
